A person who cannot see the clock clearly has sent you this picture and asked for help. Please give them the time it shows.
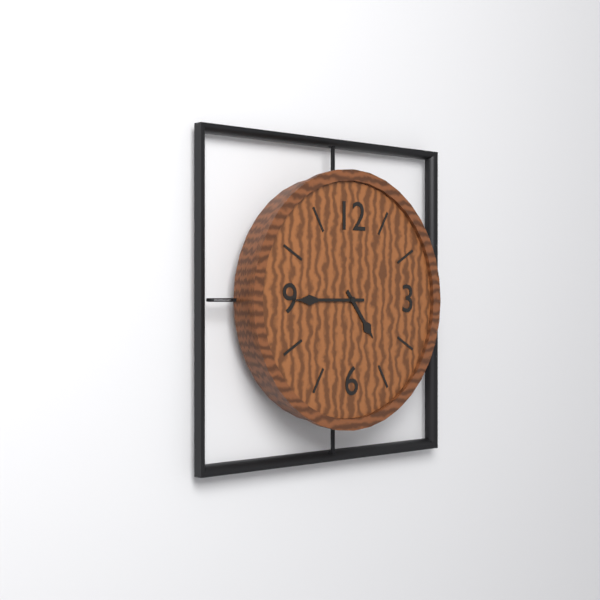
4:45
